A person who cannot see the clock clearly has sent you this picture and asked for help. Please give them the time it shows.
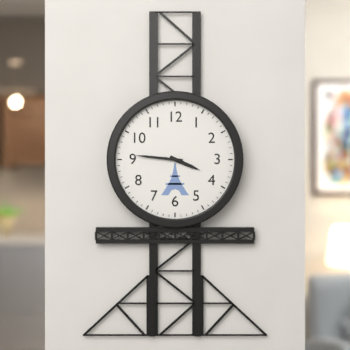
3:46
